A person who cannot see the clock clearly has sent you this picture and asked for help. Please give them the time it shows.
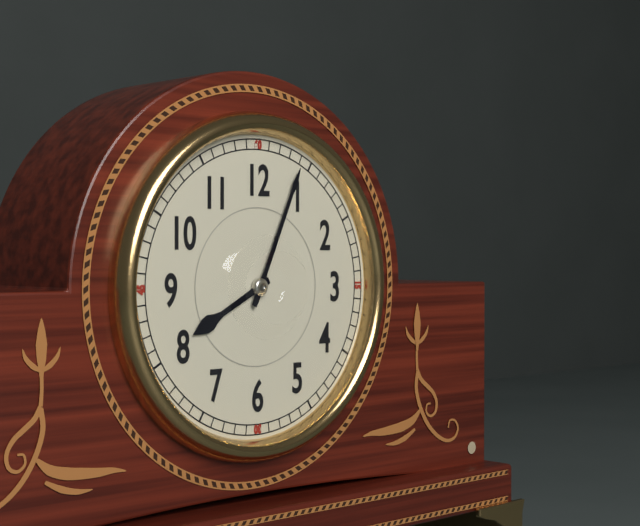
8:04
